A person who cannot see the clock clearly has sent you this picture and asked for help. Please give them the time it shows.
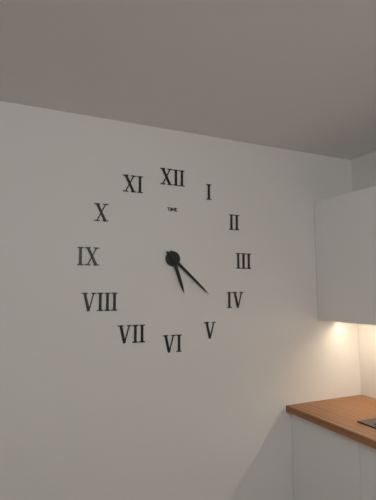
5:22
